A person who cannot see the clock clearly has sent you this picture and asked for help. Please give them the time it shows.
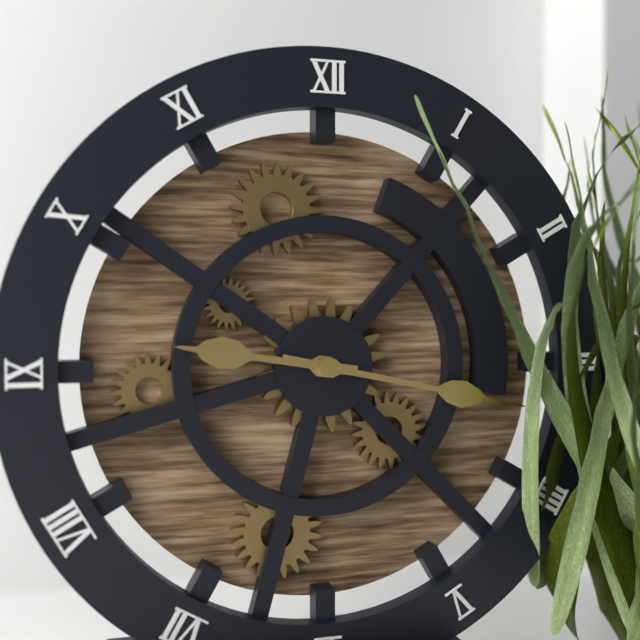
9:17
